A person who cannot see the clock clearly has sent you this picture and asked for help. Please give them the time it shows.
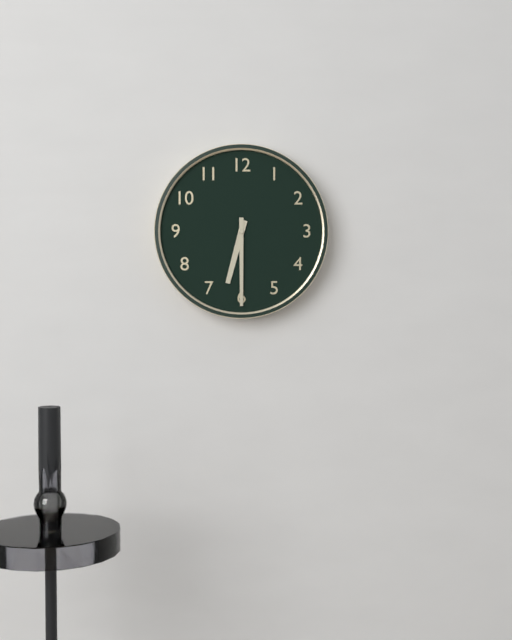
6:30
